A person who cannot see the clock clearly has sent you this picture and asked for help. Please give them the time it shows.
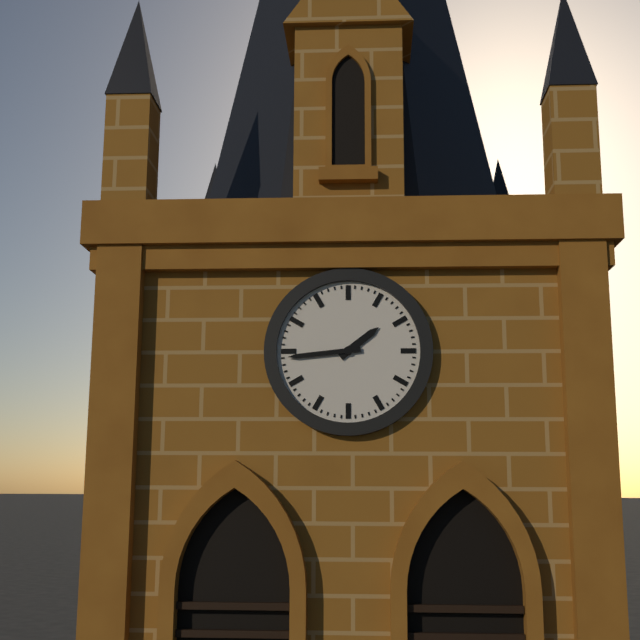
1:44
